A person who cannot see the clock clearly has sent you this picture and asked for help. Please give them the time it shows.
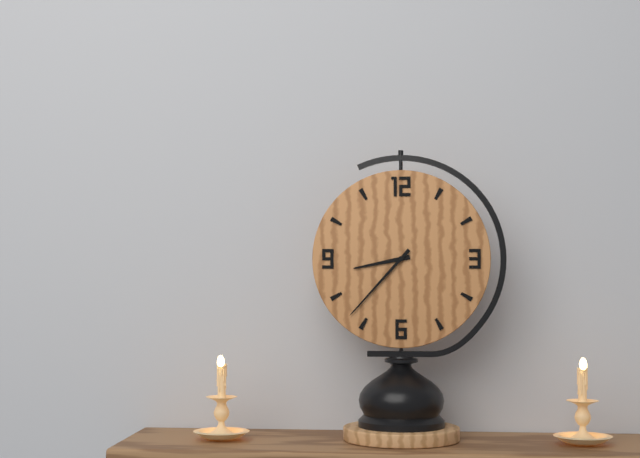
8:37
